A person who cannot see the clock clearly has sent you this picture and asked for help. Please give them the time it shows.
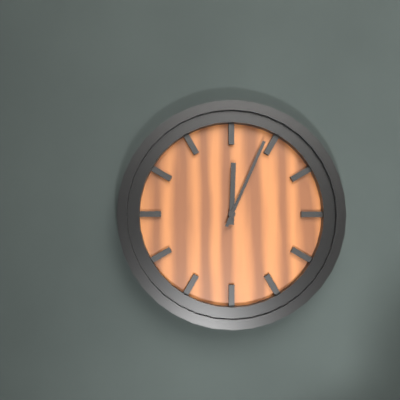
12:04
